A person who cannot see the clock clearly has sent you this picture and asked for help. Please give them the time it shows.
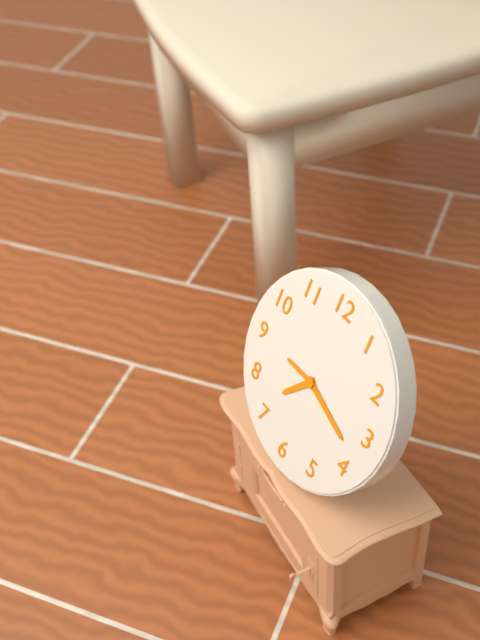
7:18
